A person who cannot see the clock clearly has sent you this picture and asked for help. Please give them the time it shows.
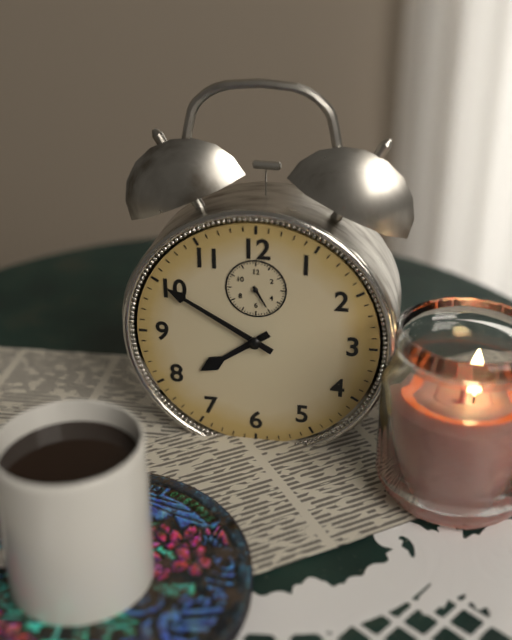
7:50
